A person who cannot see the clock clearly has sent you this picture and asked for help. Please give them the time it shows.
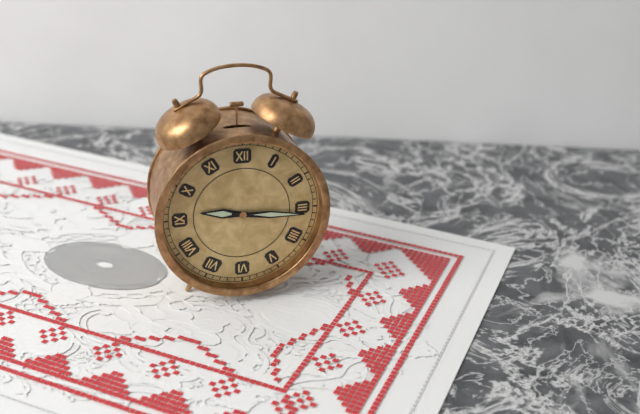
9:16
